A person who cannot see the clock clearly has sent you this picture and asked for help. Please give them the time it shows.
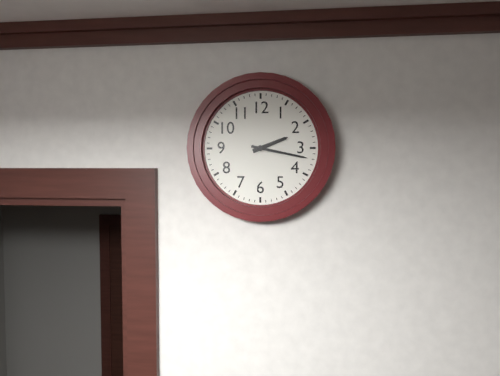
2:17
